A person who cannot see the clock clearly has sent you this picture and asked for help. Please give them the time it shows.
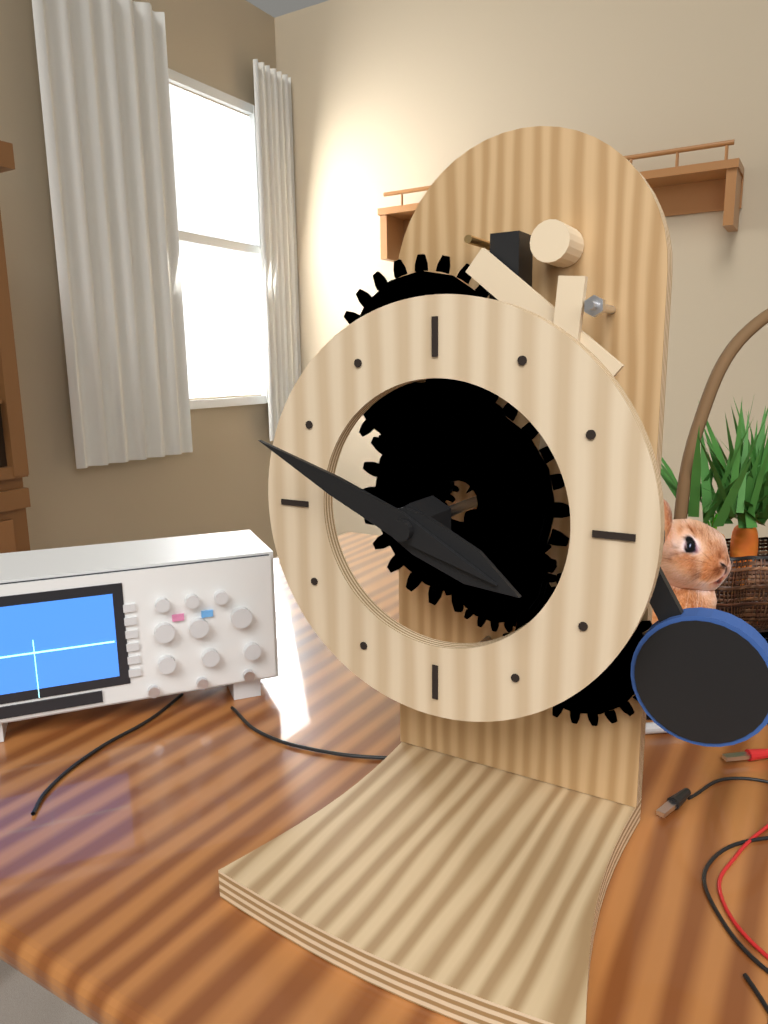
3:49
